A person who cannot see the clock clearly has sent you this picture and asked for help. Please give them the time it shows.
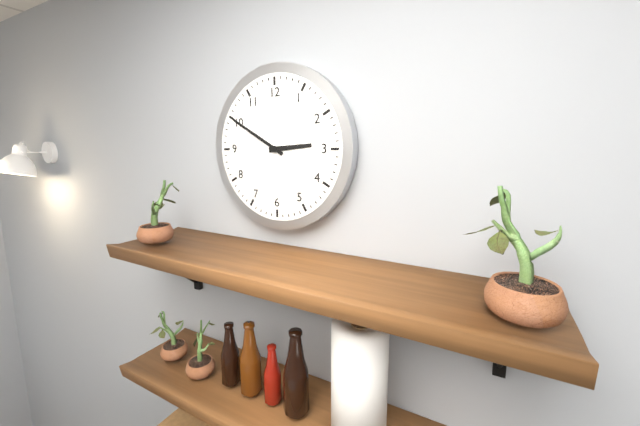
2:50
